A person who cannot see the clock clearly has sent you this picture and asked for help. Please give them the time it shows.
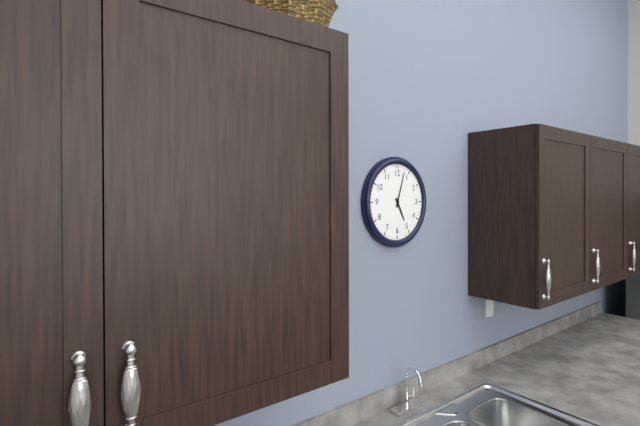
5:03
